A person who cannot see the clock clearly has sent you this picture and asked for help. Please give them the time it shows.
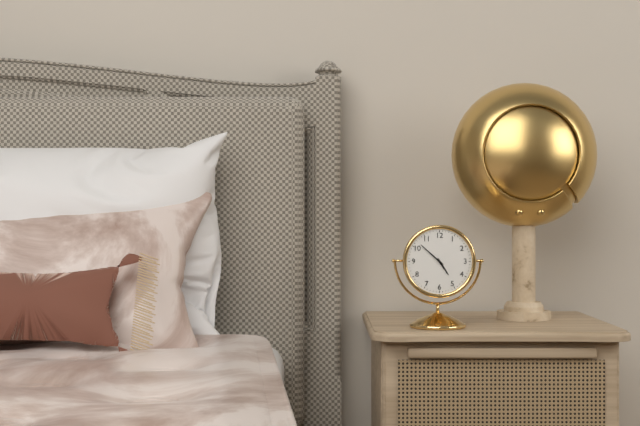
4:52
